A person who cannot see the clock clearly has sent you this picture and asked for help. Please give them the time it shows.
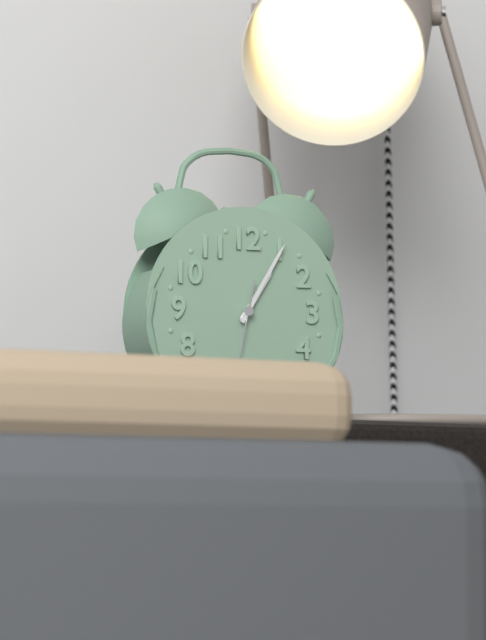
1:05
